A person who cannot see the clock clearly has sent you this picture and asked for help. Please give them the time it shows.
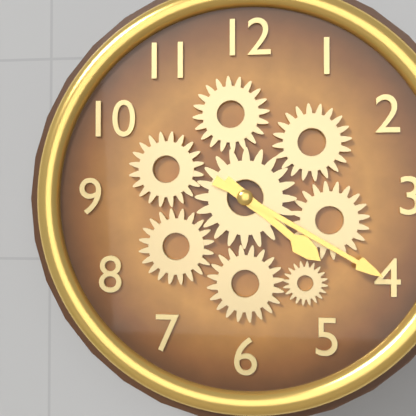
4:20
